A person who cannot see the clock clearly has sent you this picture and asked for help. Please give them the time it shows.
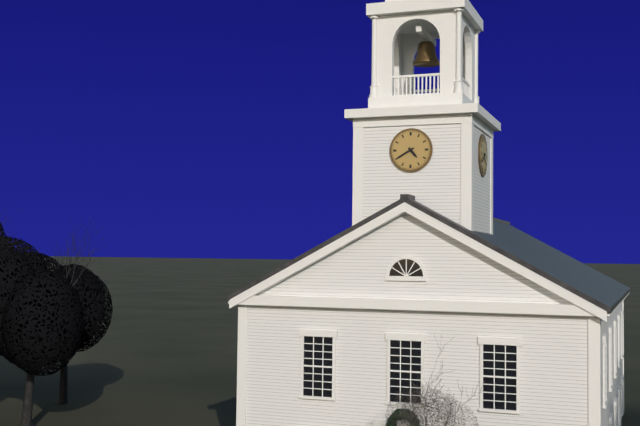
4:40
